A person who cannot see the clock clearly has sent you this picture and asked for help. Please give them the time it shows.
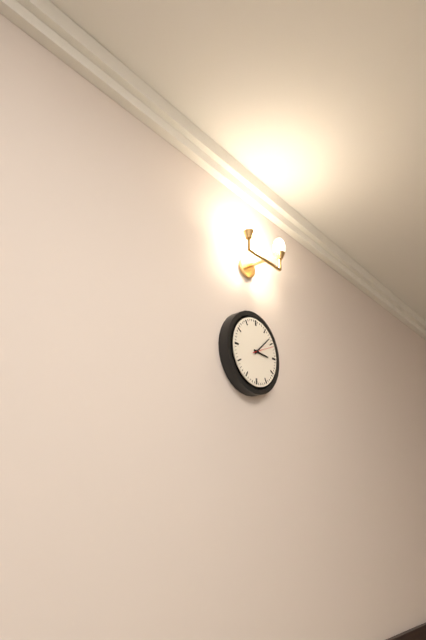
3:08
